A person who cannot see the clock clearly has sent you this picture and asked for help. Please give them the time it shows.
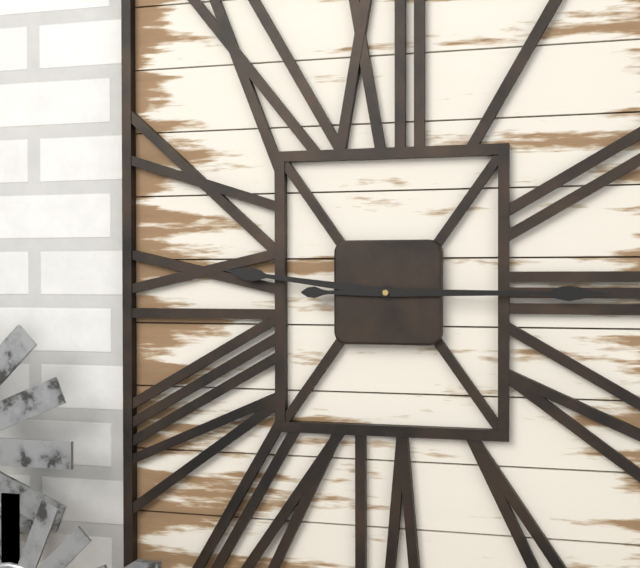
9:15
